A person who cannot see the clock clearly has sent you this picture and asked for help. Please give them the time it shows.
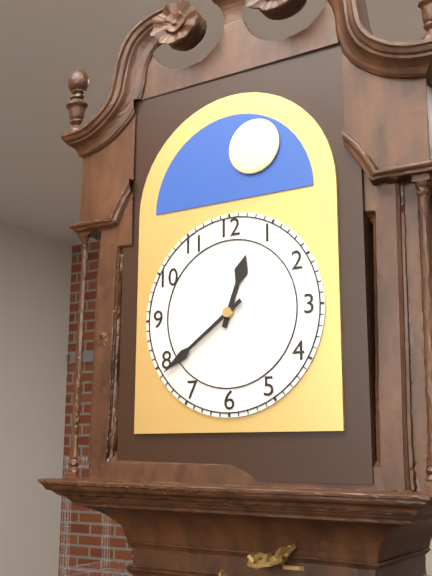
12:39
